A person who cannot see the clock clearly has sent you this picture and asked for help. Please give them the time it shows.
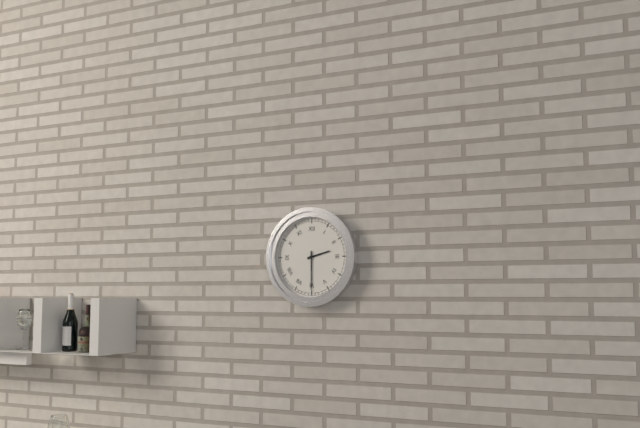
2:30
